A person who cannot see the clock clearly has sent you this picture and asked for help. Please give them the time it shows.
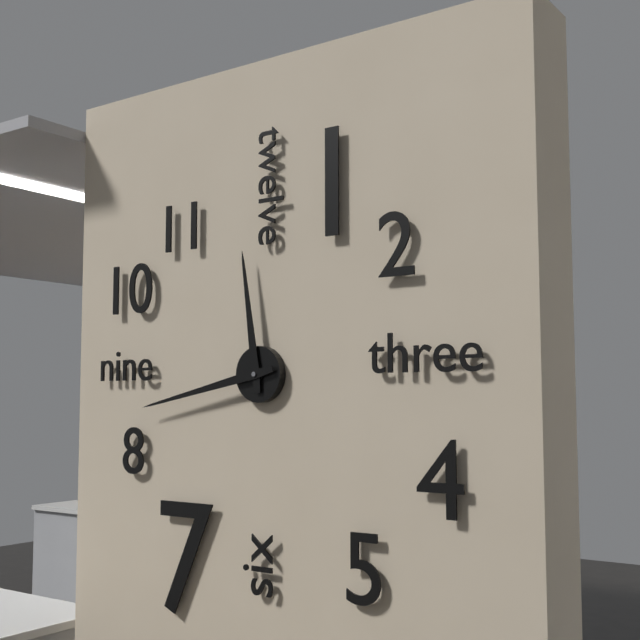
11:43
